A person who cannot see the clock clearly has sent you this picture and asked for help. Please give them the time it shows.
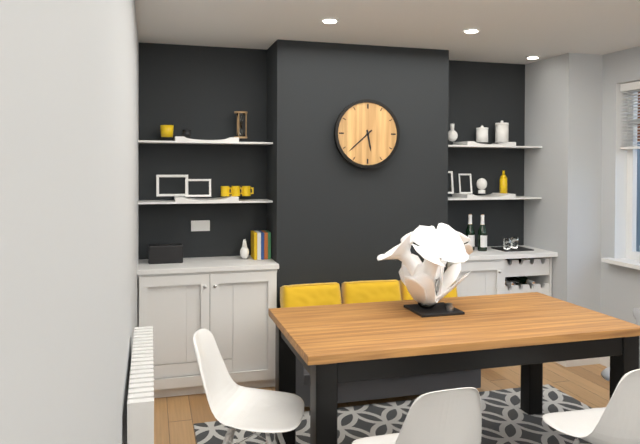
5:38
